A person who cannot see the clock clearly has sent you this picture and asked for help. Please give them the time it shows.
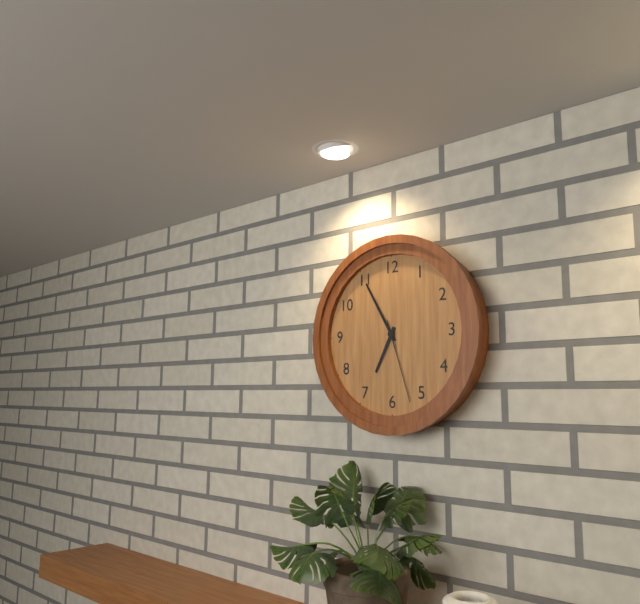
6:55:27
